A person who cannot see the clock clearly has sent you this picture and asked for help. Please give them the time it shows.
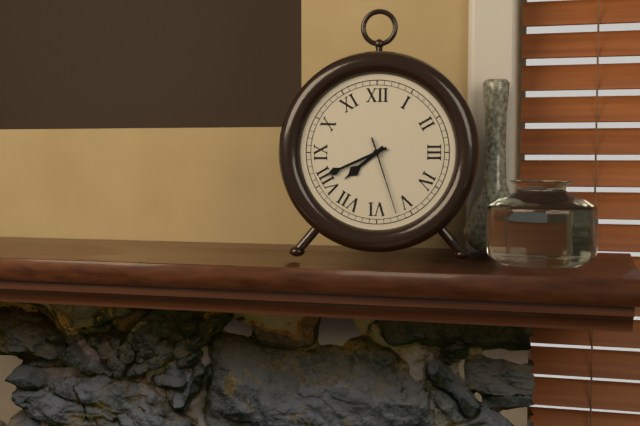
7:41:27
